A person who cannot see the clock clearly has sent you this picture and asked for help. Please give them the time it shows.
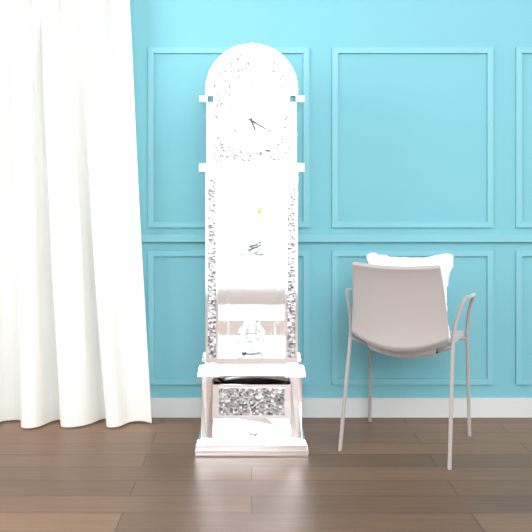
5:20
